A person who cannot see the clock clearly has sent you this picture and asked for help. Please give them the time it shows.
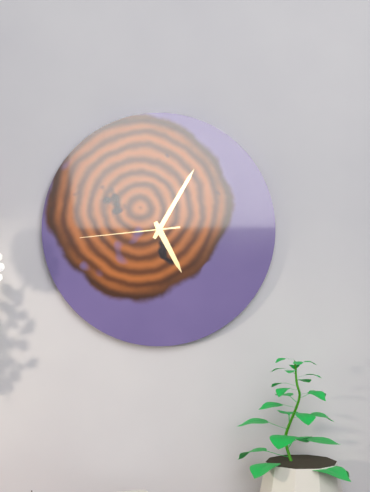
5:05:44
